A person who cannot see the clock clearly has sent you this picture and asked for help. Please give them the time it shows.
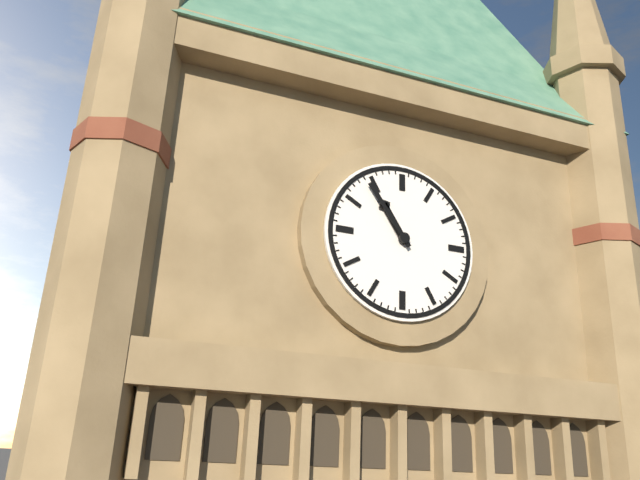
10:54
